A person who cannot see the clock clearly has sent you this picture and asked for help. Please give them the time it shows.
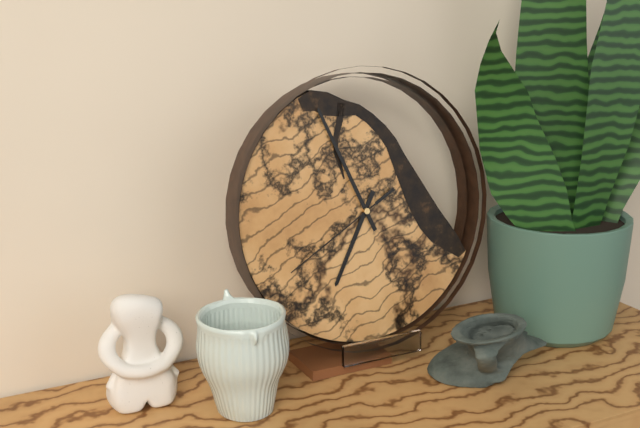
6:56:40
